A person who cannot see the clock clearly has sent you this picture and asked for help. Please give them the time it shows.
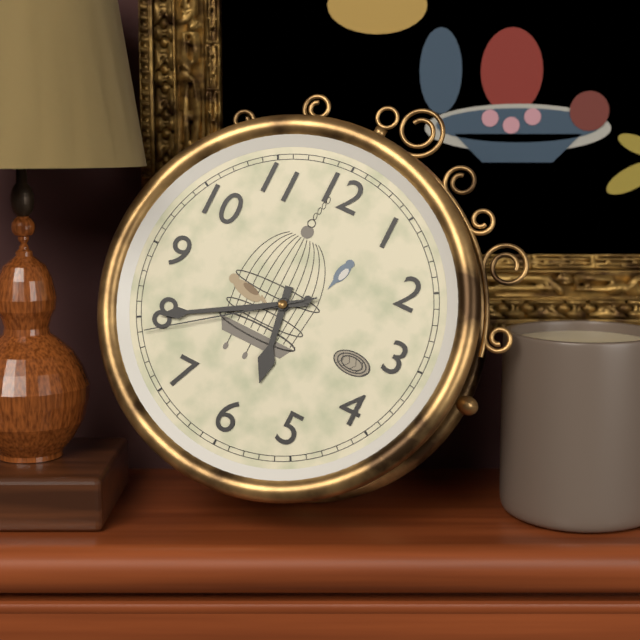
5:40:39
